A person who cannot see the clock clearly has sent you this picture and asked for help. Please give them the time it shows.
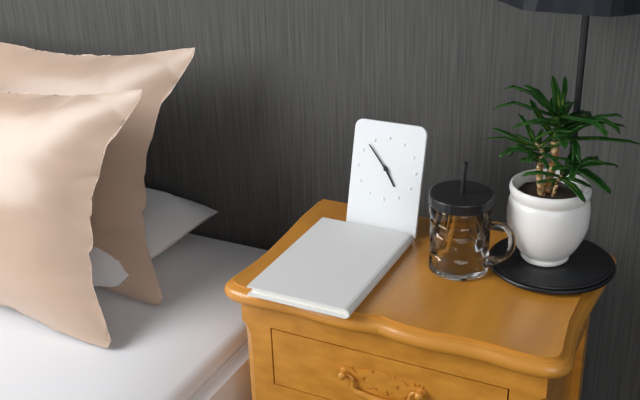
4:53
